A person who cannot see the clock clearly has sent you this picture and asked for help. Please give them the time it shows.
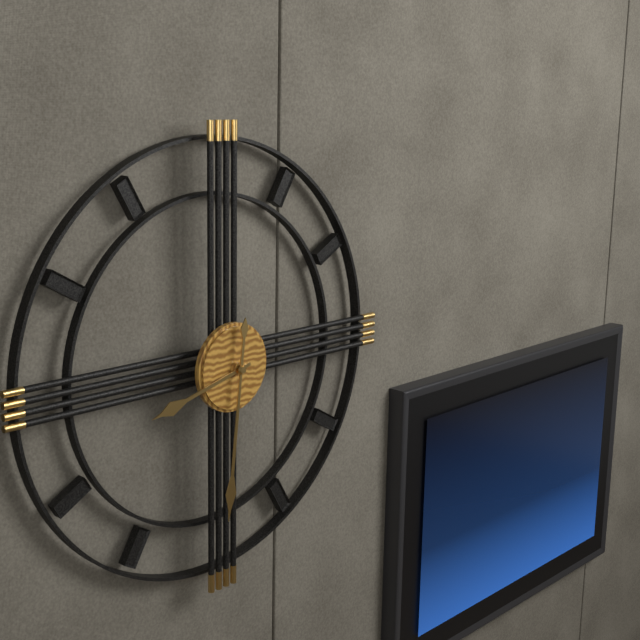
8:31
